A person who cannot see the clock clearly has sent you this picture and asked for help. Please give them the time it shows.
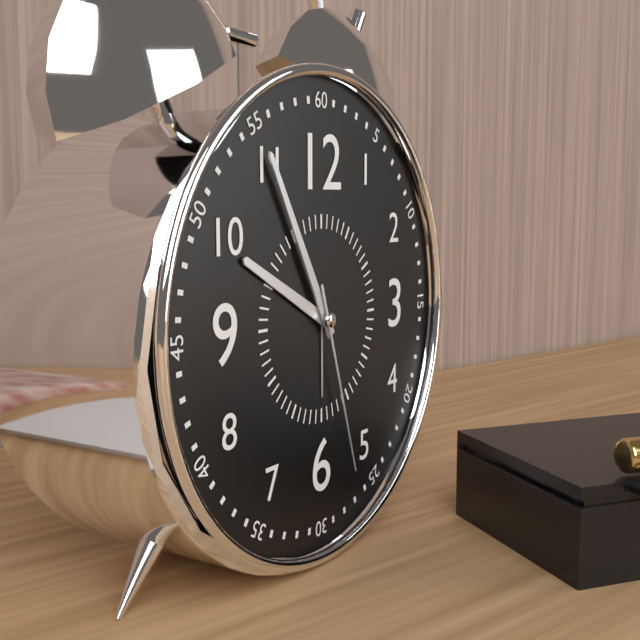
9:55:27
